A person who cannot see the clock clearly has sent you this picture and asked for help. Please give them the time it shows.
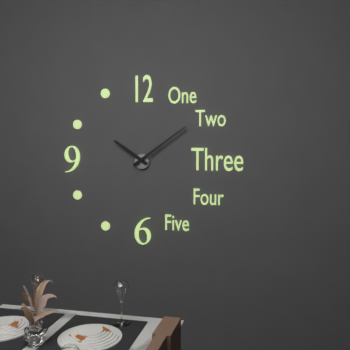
10:09
